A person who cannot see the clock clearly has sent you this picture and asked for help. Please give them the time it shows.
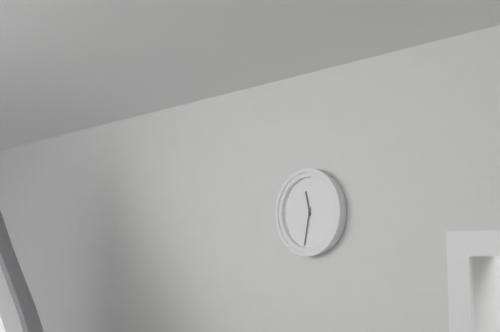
11:32
